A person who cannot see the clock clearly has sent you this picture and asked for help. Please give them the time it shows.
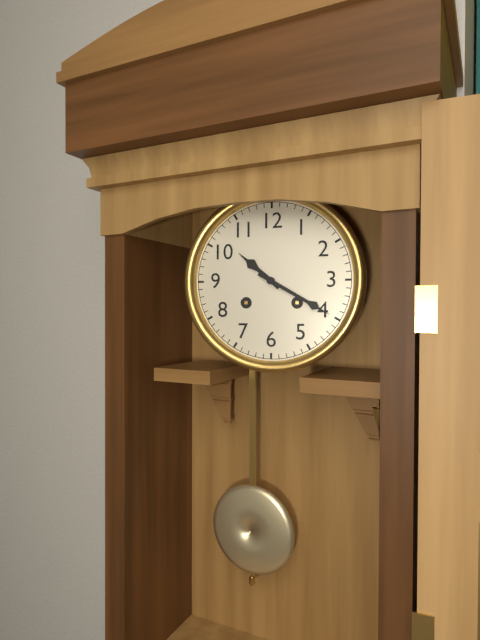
10:20
